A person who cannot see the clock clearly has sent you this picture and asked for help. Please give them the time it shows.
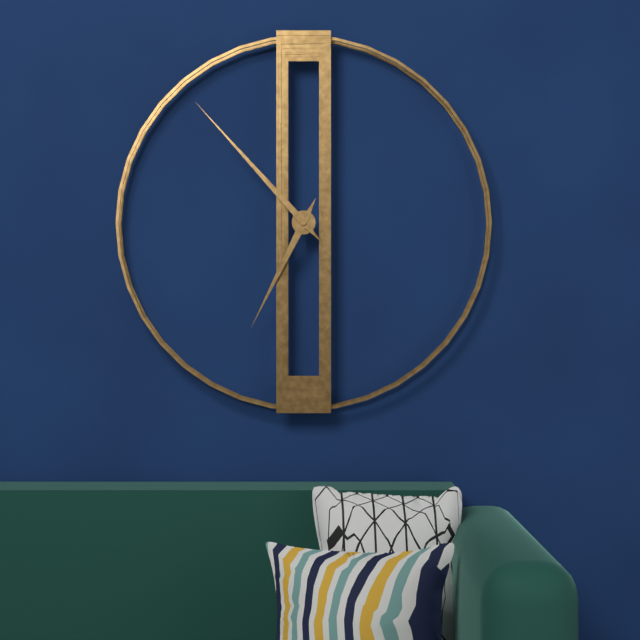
6:53
